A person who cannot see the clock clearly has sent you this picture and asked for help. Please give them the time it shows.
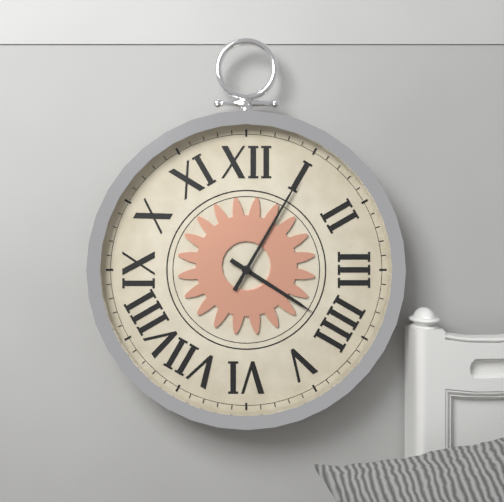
4:05
